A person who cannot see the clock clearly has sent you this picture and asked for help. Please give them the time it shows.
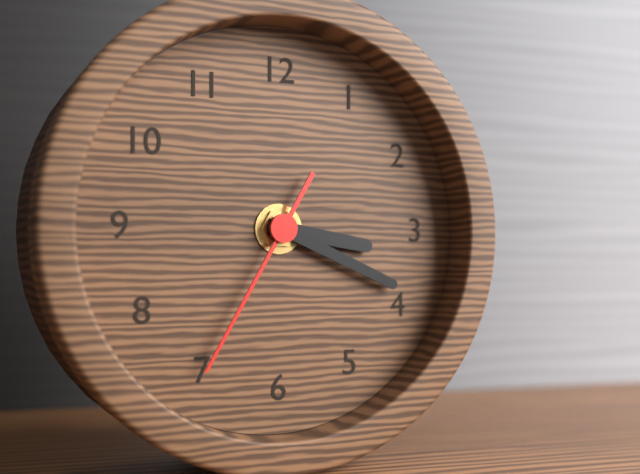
3:19:35
